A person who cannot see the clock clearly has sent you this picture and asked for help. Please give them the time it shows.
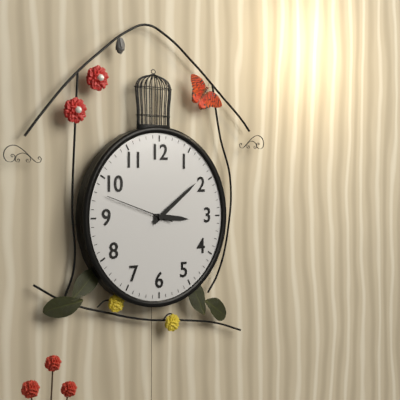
3:09:48
